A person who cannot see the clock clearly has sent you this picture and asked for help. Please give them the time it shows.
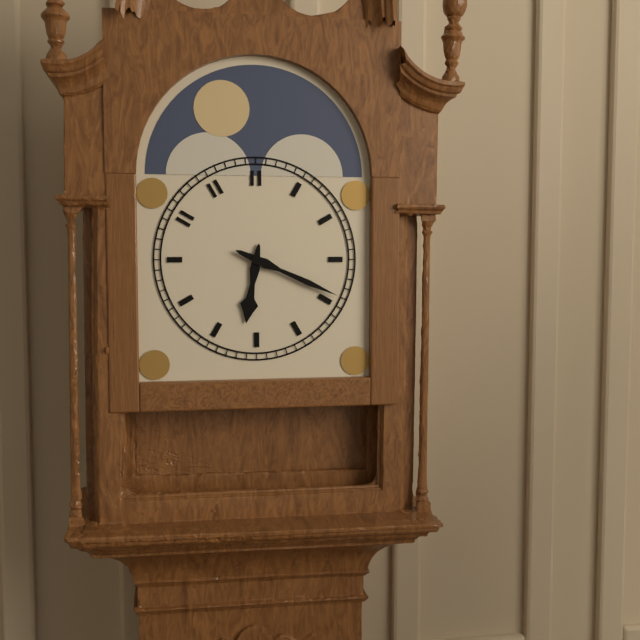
6:19
